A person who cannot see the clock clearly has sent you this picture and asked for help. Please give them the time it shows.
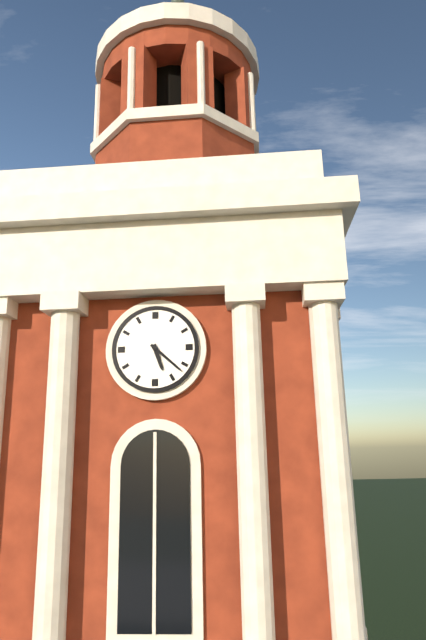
5:22
